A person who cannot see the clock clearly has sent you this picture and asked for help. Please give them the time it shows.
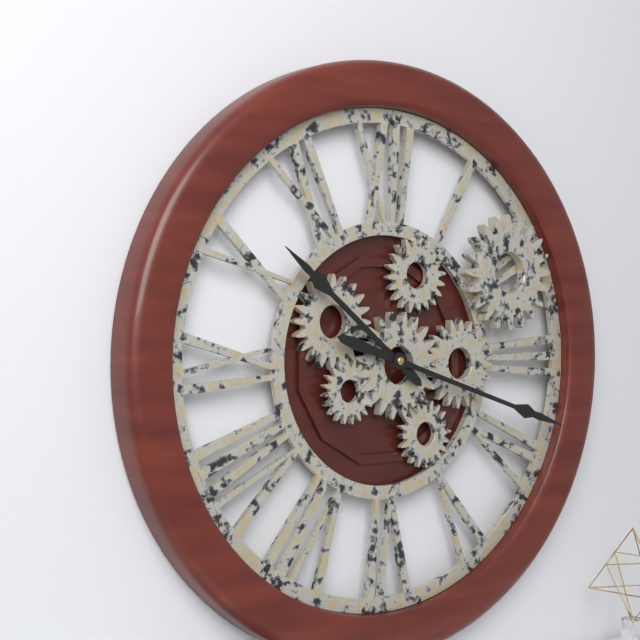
10:18
